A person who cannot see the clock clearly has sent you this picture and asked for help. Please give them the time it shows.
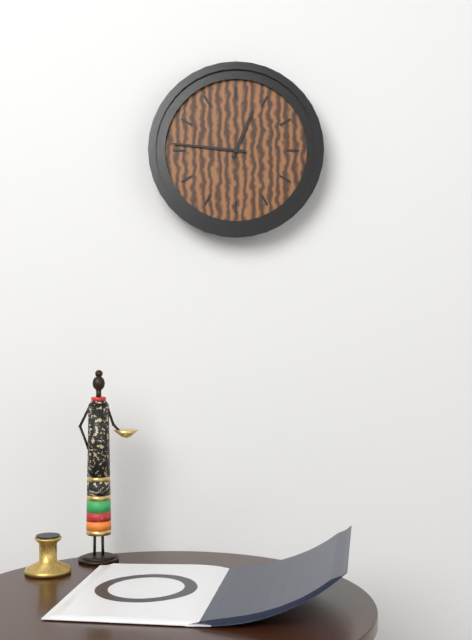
12:46
